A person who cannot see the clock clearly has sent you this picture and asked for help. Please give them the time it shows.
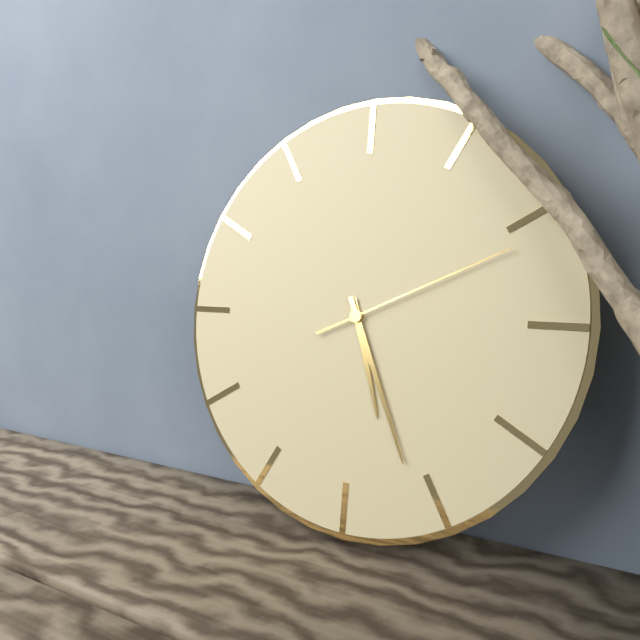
5:26:11
